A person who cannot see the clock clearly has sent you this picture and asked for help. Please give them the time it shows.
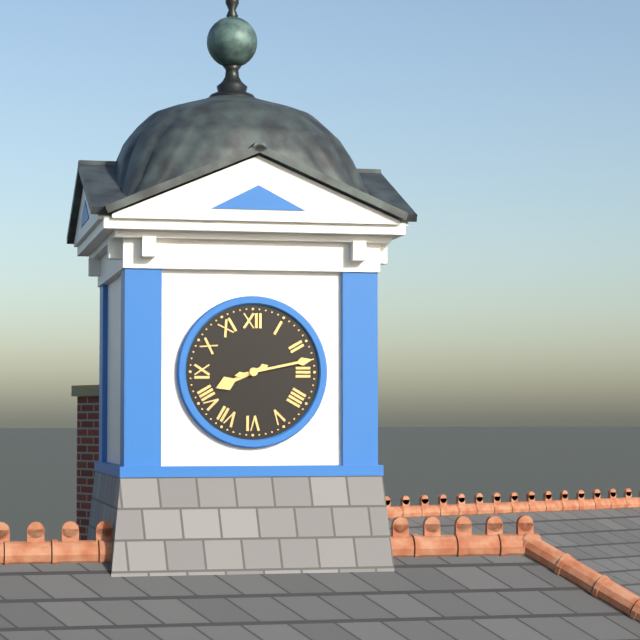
8:13
